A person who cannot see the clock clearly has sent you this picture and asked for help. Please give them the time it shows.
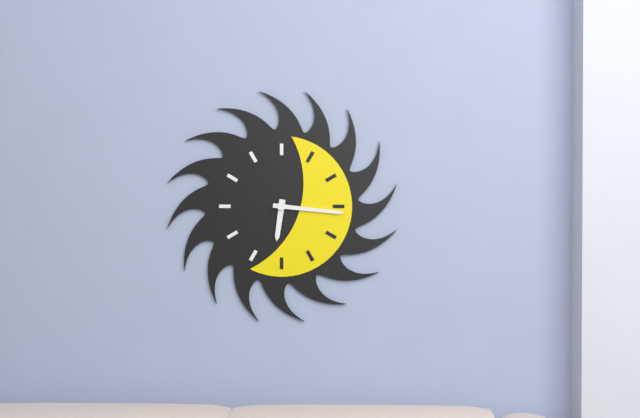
6:16
